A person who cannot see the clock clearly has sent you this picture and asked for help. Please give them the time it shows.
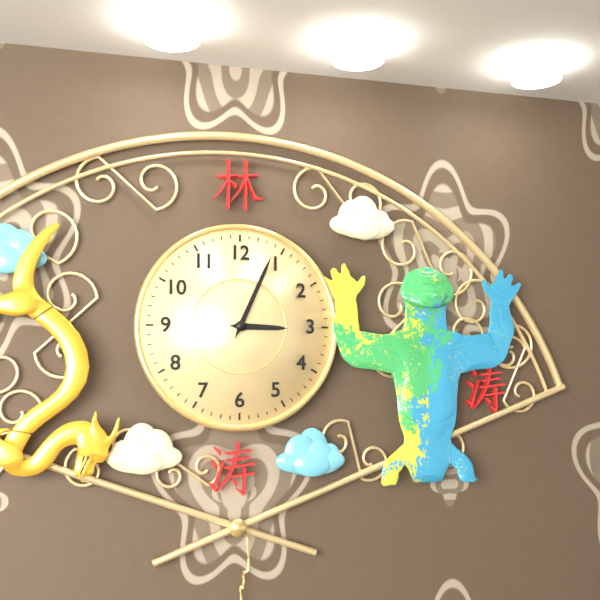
3:04
